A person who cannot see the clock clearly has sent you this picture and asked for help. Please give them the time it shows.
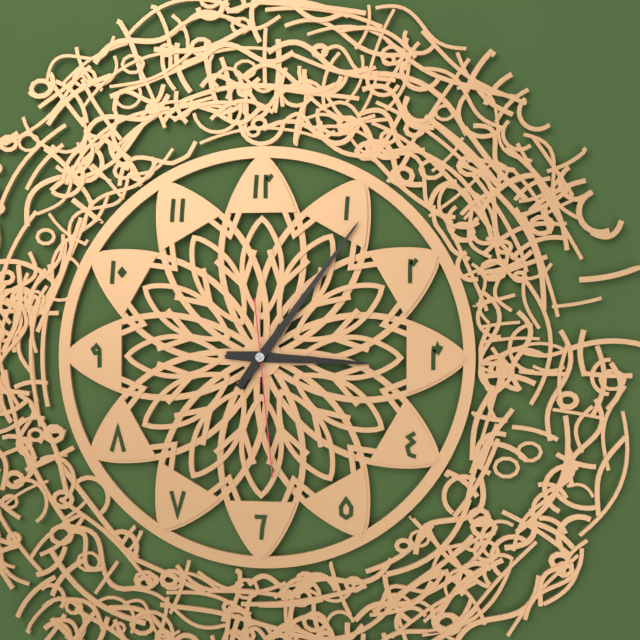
3:06:29
